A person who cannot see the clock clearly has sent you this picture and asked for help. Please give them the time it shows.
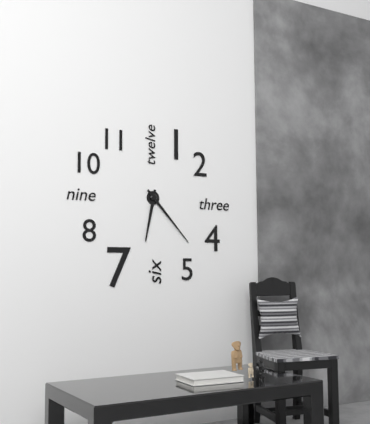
6:23
